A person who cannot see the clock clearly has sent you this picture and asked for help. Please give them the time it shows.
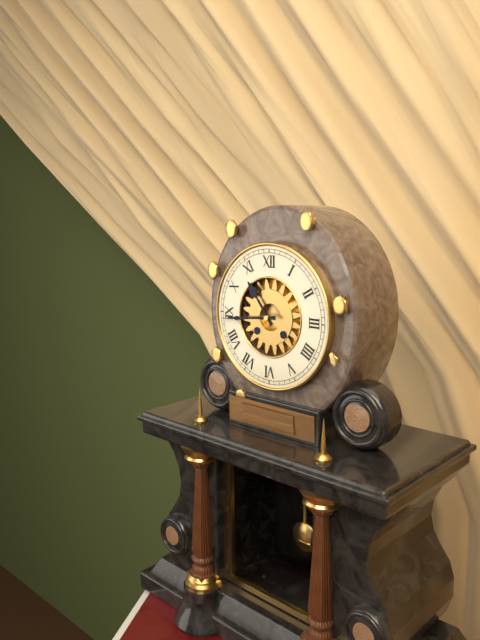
10:44
